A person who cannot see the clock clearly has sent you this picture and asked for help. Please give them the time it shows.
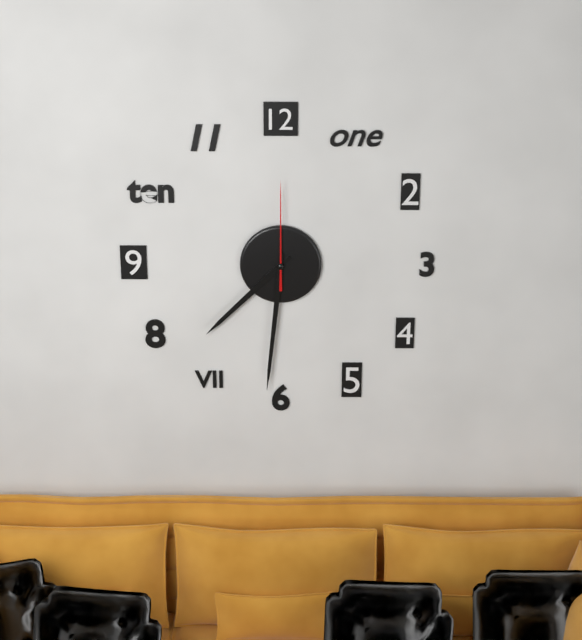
7:31:00
